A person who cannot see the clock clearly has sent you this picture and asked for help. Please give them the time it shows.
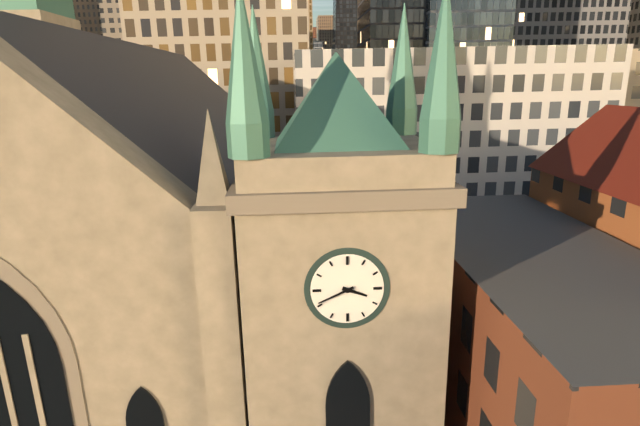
3:41
